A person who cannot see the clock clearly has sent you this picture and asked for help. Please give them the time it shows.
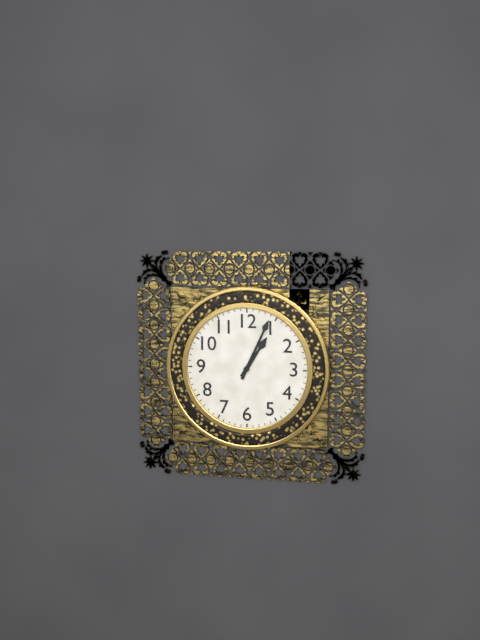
1:04
